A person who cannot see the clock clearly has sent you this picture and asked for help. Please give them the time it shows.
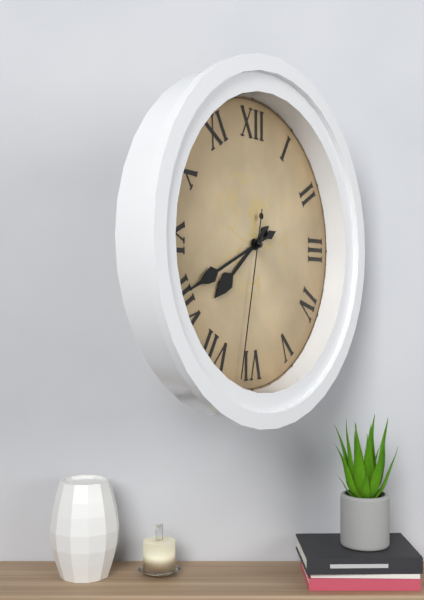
7:41:32
